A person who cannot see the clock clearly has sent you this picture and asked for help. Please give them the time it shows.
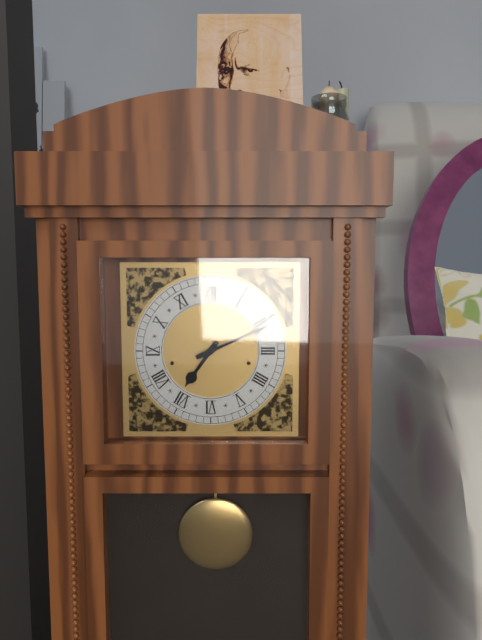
7:11
